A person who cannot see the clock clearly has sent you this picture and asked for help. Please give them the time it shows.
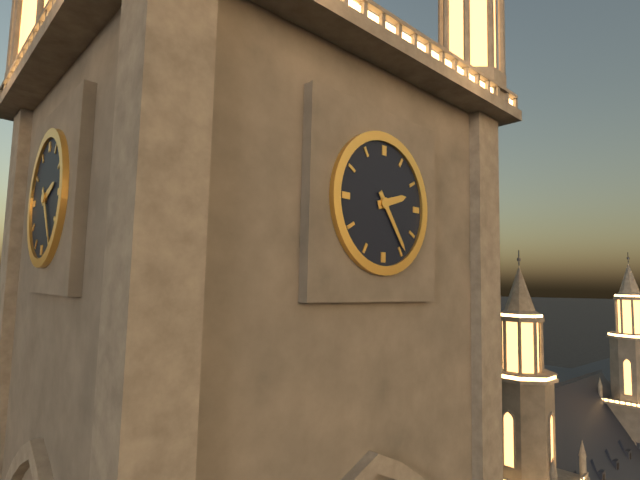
2:24
